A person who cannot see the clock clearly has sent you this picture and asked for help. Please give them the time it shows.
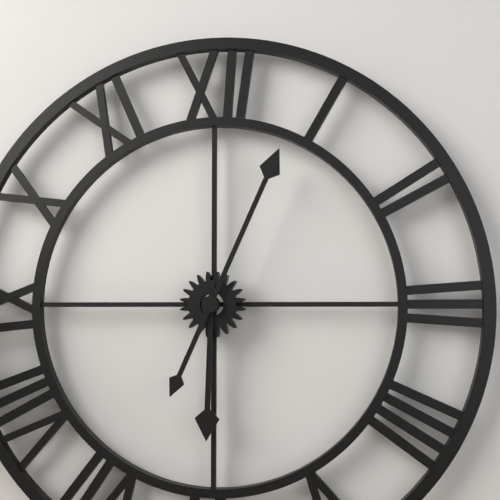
6:04
